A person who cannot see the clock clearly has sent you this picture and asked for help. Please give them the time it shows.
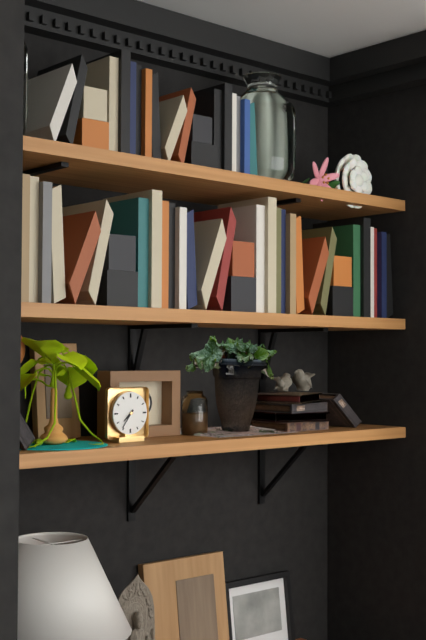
7:36
